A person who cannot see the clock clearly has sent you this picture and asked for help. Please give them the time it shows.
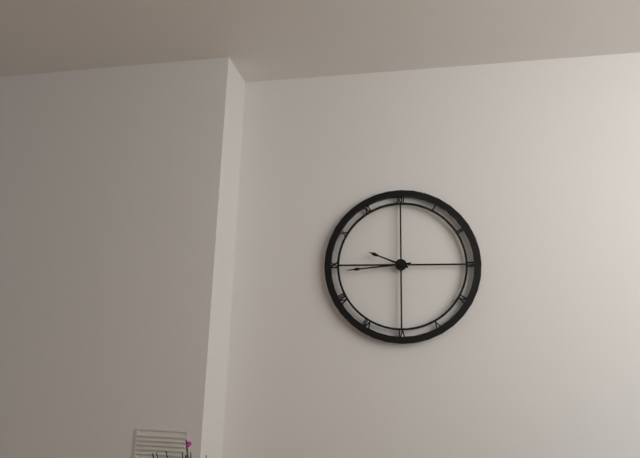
9:44
